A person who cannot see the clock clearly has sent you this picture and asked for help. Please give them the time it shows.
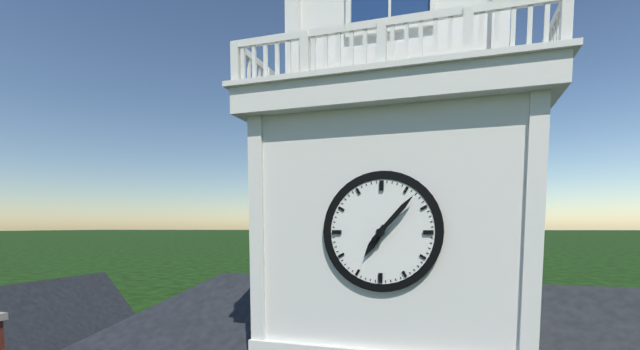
7:07
